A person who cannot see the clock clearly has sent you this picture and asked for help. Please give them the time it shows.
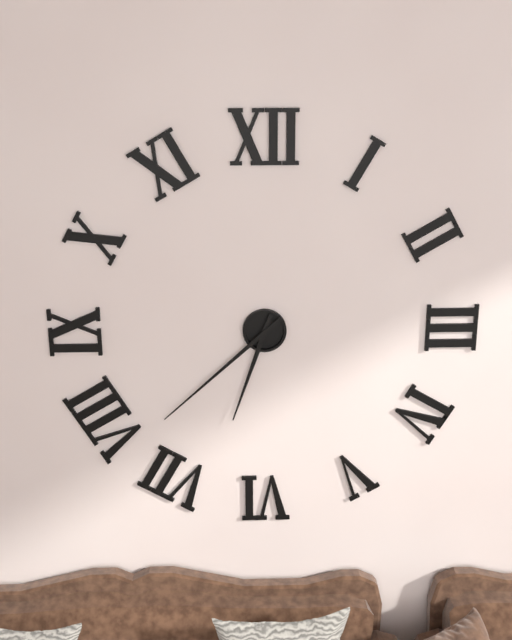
6:38
